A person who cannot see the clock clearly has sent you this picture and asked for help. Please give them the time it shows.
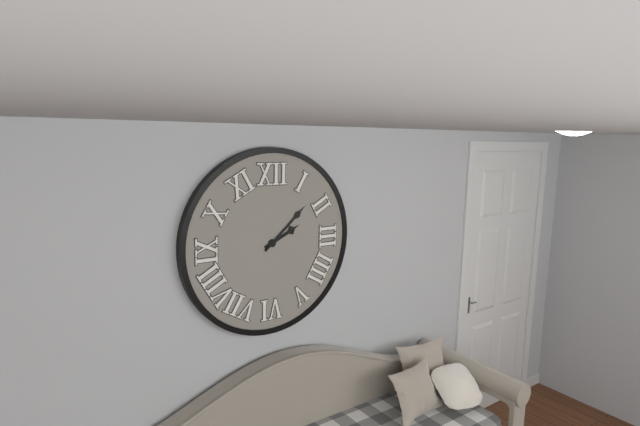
2:08
